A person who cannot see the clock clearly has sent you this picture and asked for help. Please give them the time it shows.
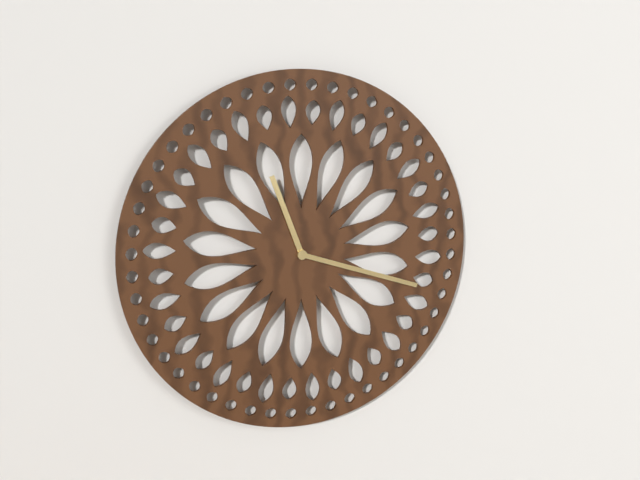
11:18
